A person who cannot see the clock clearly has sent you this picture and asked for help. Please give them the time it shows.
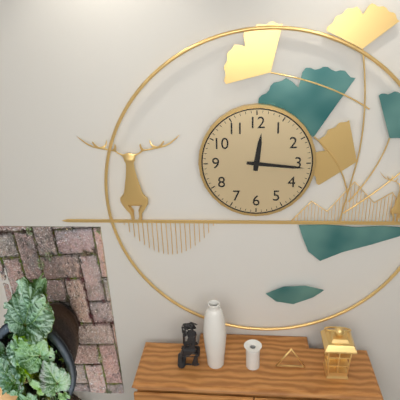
12:16
